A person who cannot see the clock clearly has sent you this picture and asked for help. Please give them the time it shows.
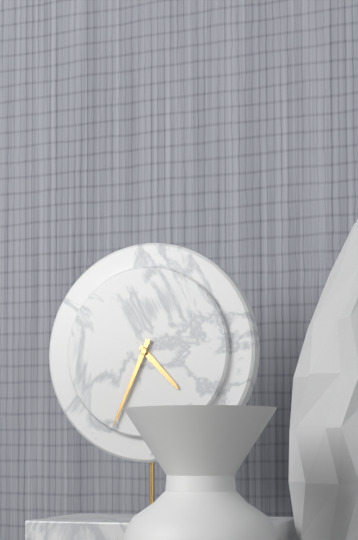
4:34
